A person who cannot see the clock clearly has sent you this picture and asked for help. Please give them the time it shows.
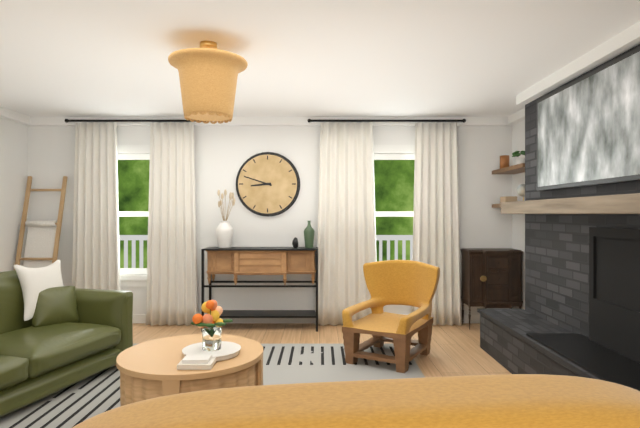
8:48
